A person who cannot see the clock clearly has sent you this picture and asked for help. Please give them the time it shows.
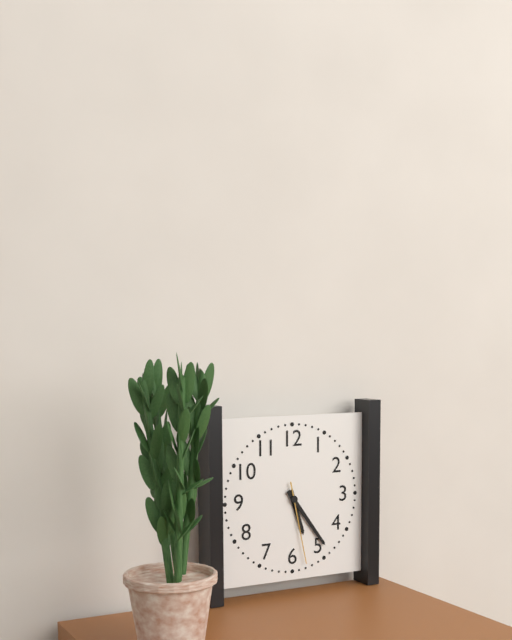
5:24:28
